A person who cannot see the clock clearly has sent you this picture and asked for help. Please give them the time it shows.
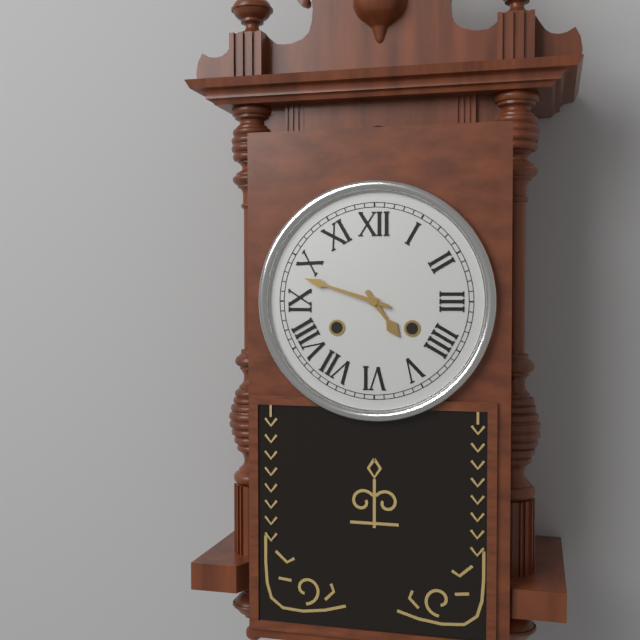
4:48
